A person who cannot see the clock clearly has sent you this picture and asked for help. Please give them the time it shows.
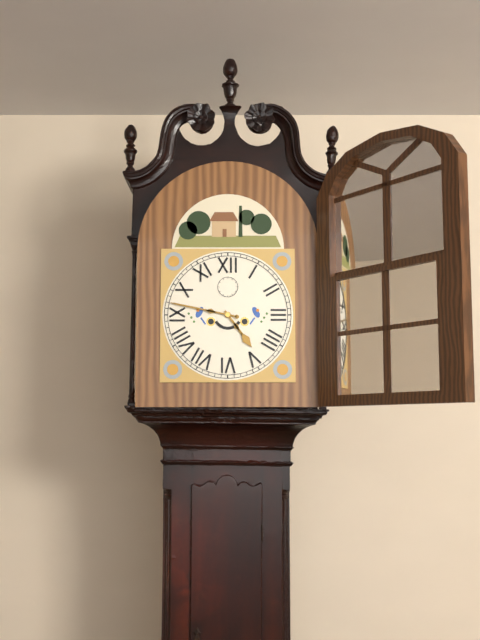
4:47
